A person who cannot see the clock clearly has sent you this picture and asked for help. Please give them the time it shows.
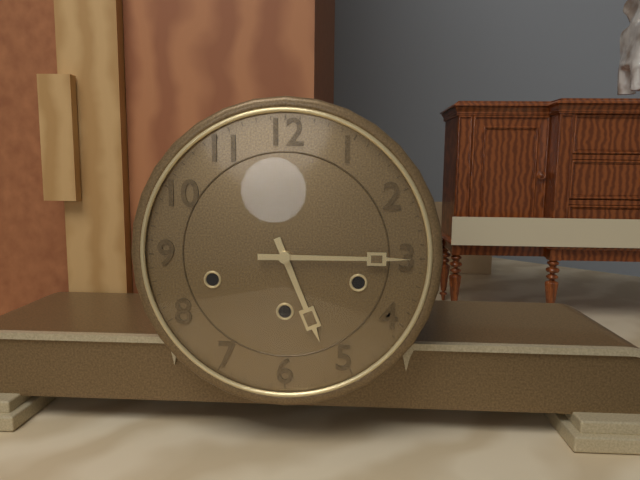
5:15
